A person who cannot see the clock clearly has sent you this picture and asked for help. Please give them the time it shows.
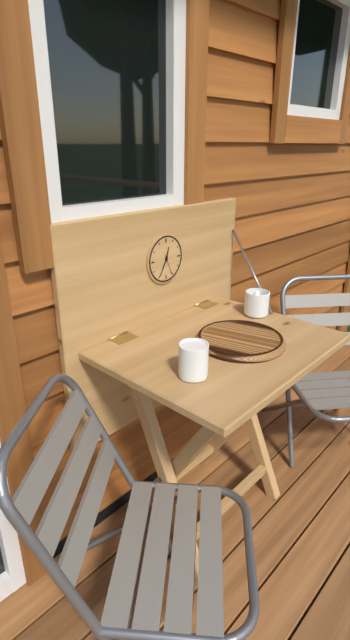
12:35
